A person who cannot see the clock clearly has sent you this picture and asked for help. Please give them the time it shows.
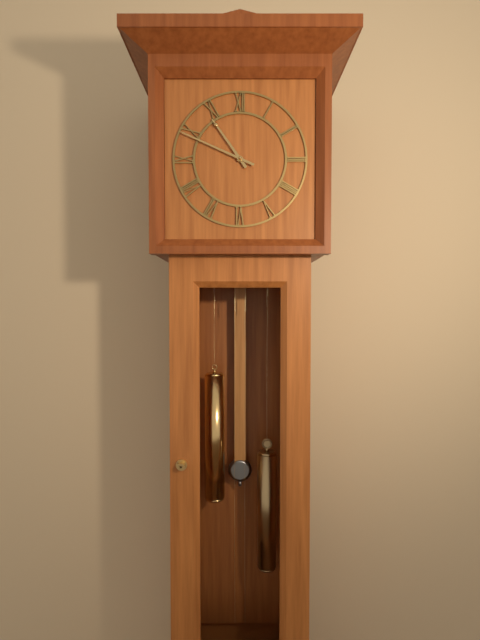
10:49
